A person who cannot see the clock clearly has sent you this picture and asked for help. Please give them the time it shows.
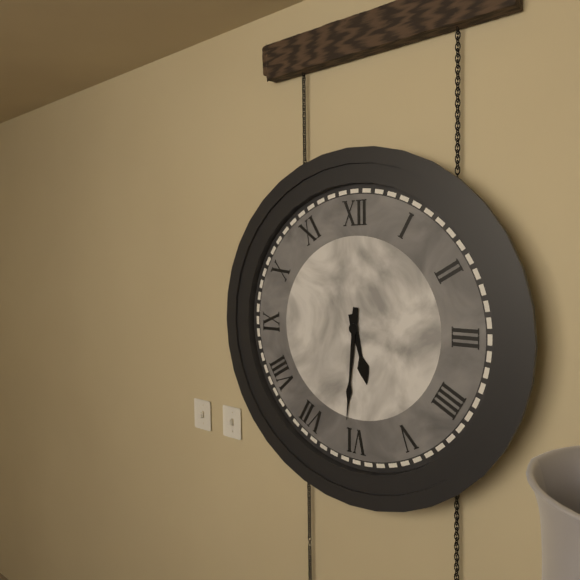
5:31
